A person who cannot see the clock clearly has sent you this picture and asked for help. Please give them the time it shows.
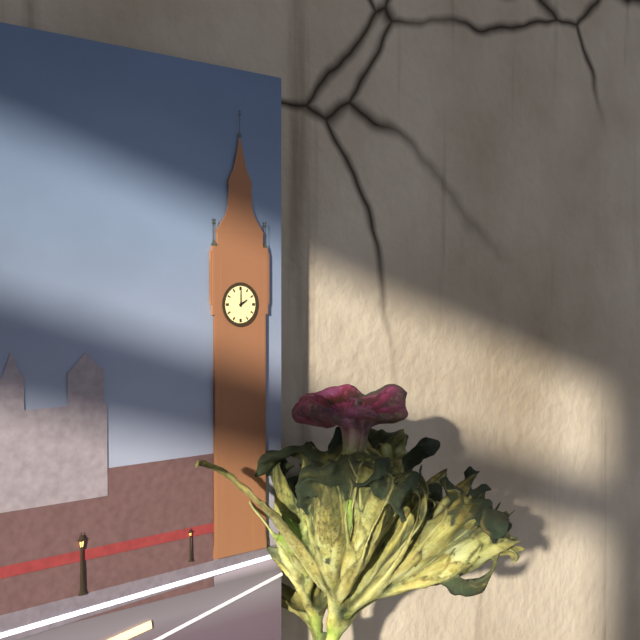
2:00
